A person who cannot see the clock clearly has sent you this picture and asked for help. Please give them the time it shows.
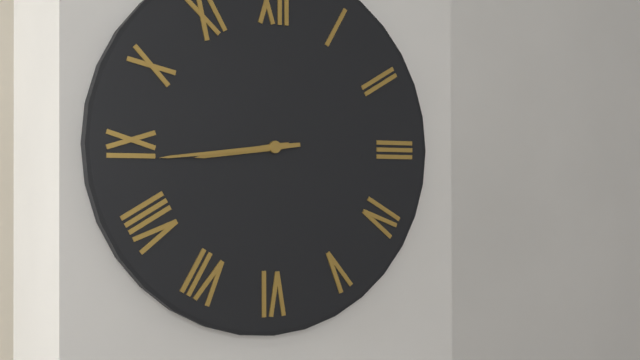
8:44
